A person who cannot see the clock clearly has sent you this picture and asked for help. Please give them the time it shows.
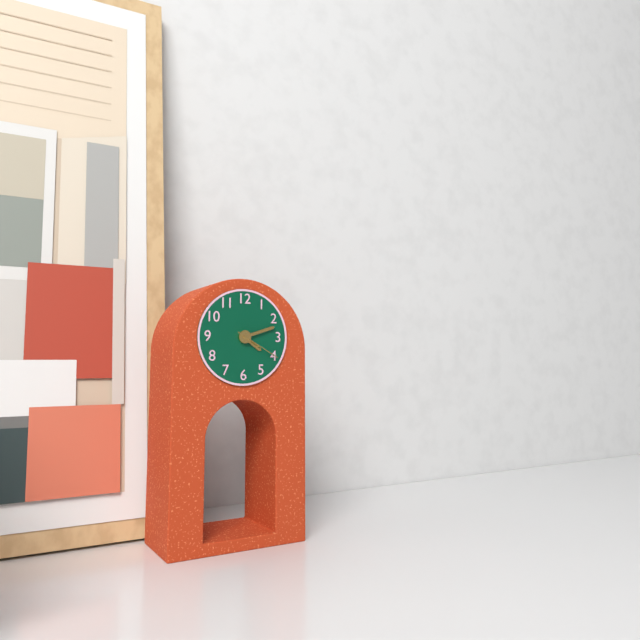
4:12
